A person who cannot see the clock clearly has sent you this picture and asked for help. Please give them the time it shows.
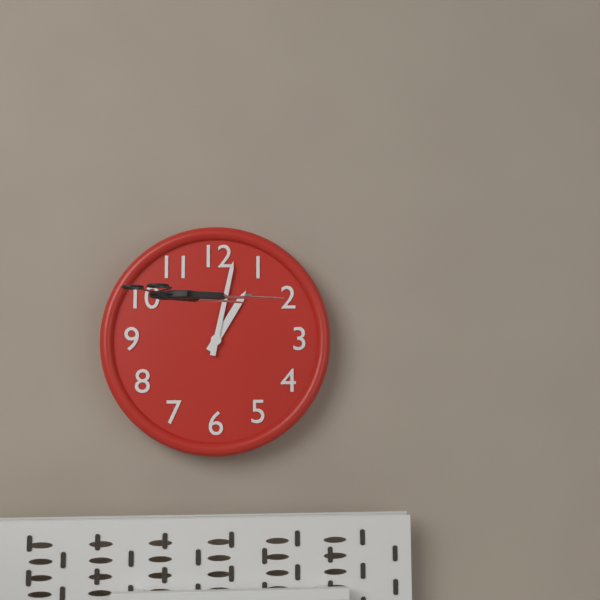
1:02
